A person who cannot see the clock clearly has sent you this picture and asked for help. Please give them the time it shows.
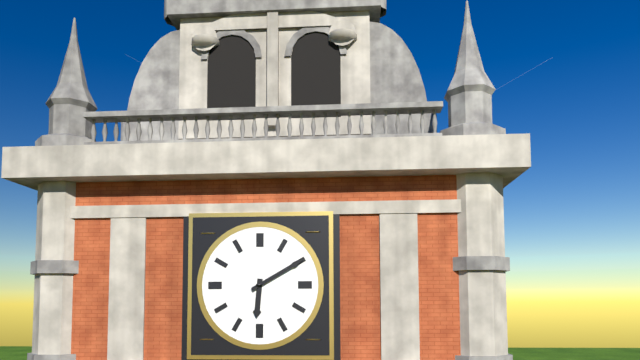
6:10
